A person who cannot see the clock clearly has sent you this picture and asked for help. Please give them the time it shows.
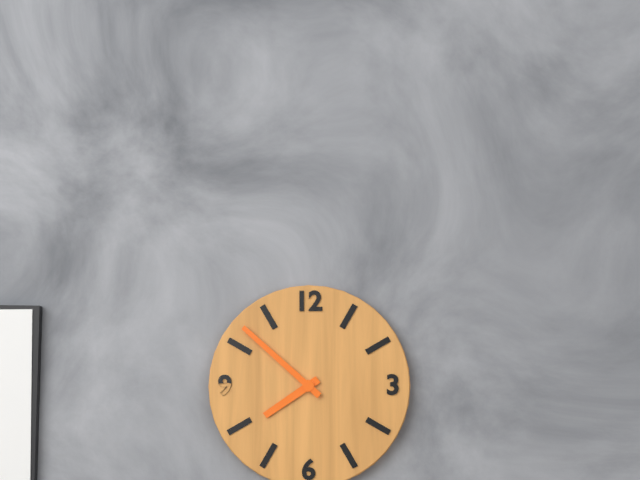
7:52
